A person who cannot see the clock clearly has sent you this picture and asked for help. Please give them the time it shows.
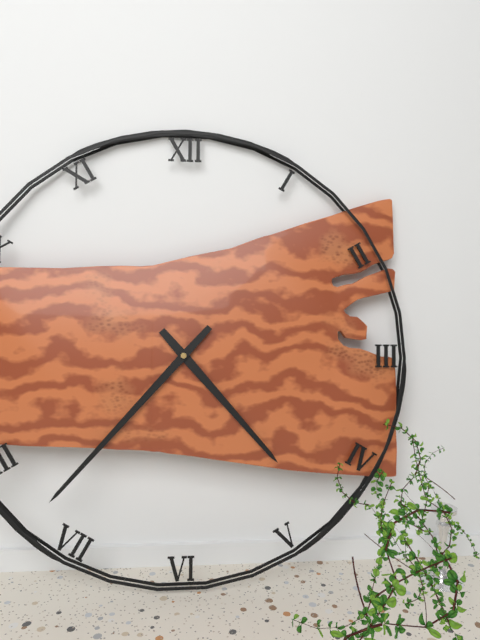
4:37
